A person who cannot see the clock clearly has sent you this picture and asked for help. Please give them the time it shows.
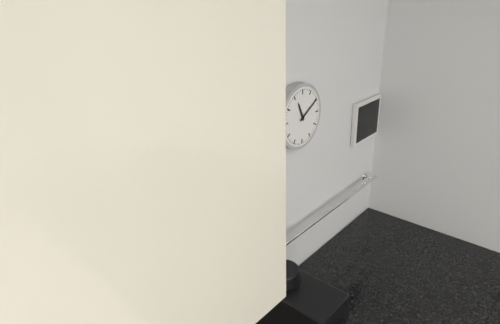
11:10
